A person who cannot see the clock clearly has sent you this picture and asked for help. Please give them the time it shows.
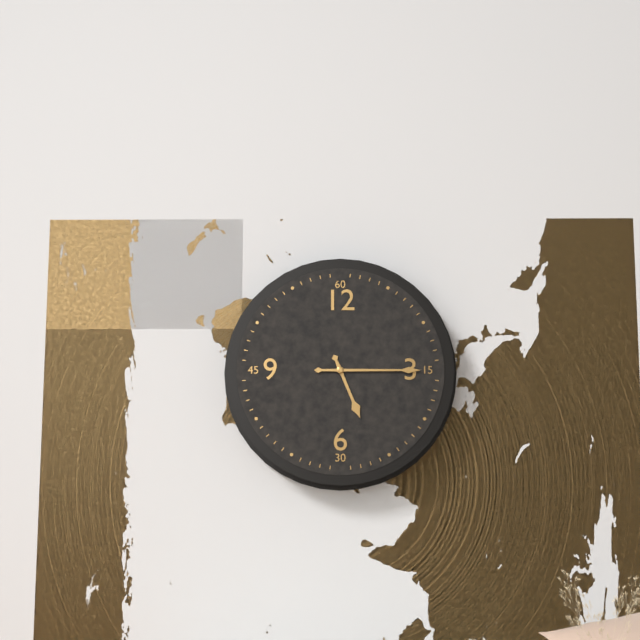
5:15
